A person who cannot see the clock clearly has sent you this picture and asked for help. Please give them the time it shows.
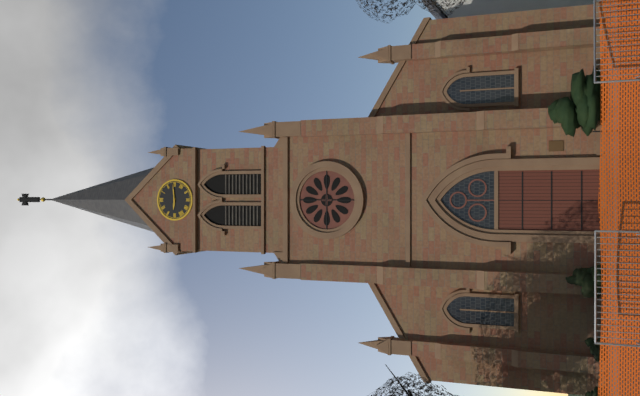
9:14
